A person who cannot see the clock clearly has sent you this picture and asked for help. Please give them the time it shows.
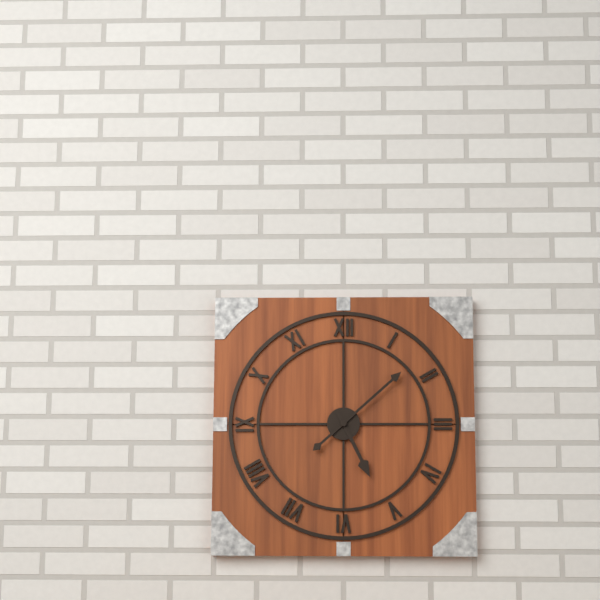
5:08
